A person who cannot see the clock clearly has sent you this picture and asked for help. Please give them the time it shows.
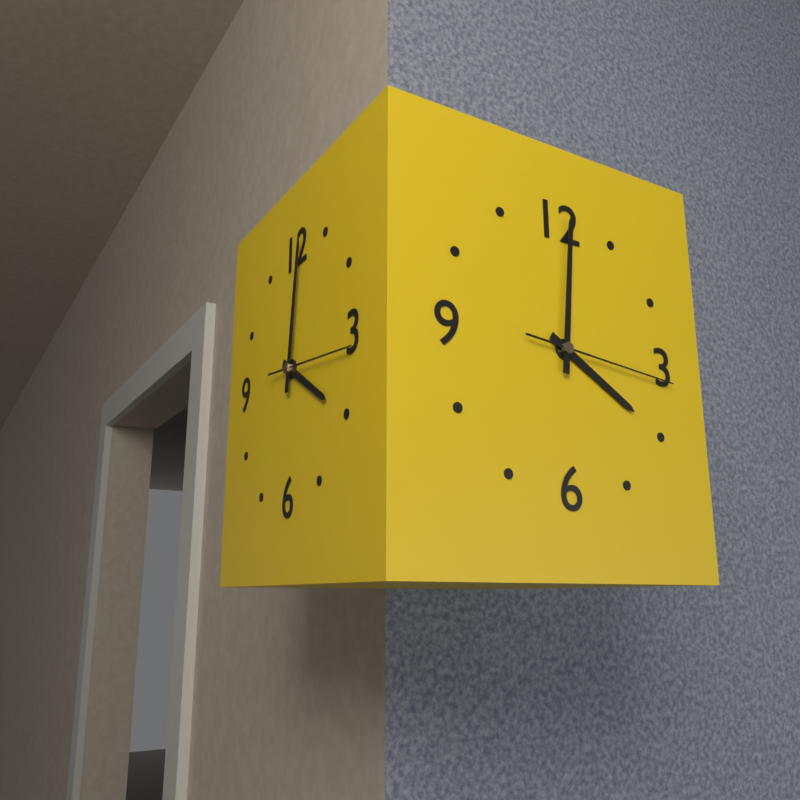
4:01:16
